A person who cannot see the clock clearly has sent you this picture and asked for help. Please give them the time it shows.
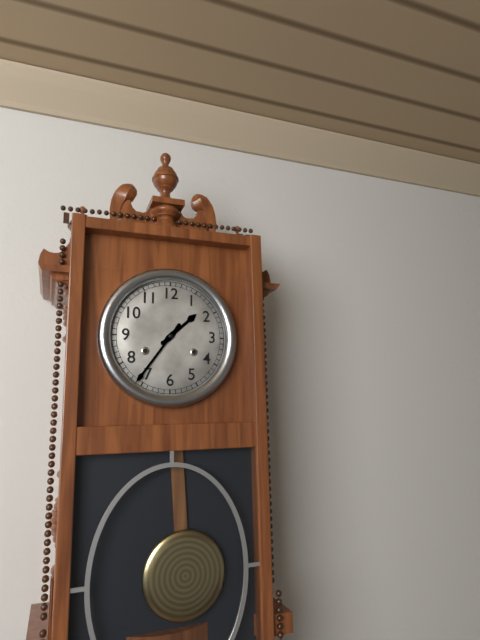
1:36
